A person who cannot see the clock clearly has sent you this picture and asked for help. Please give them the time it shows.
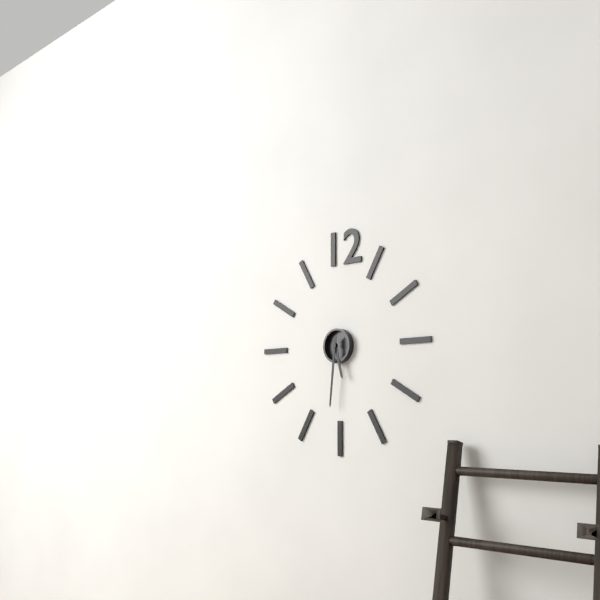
5:31
